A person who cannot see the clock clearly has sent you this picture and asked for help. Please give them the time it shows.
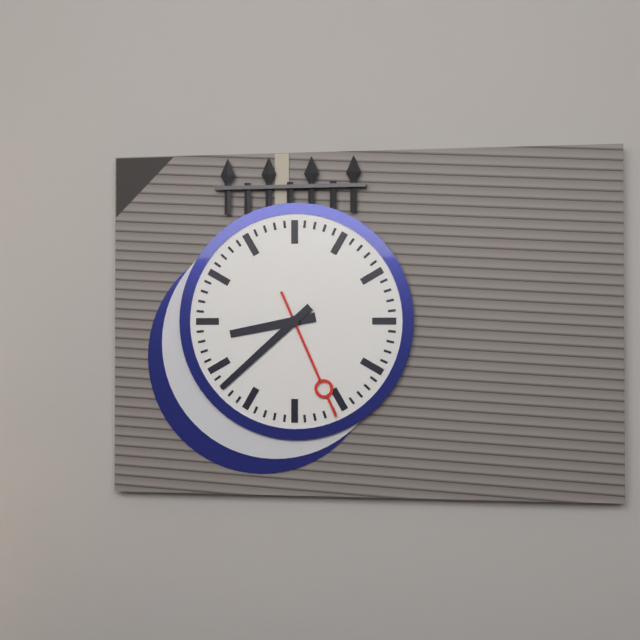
8:38:26
